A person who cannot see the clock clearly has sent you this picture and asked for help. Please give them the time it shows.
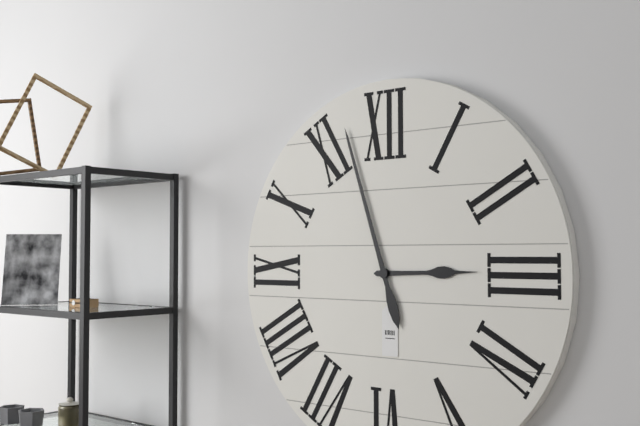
2:57
